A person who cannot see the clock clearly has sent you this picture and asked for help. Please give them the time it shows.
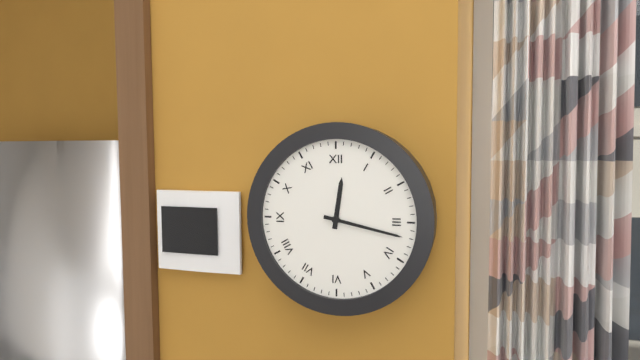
12:17
